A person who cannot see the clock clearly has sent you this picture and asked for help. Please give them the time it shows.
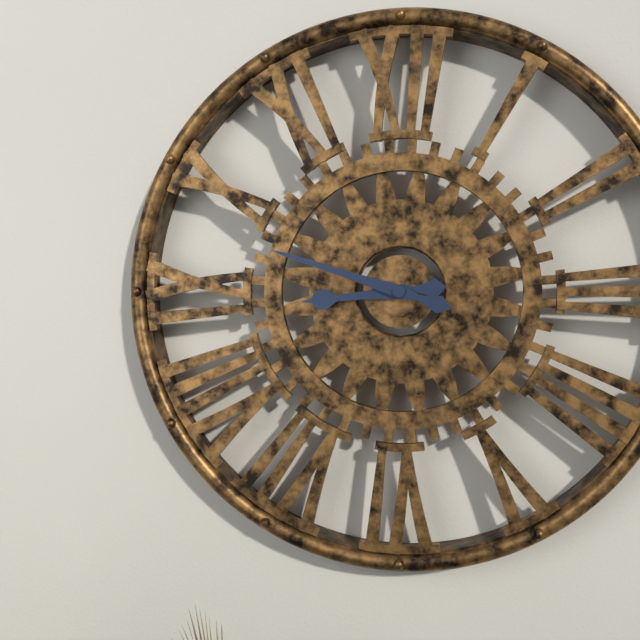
8:48
